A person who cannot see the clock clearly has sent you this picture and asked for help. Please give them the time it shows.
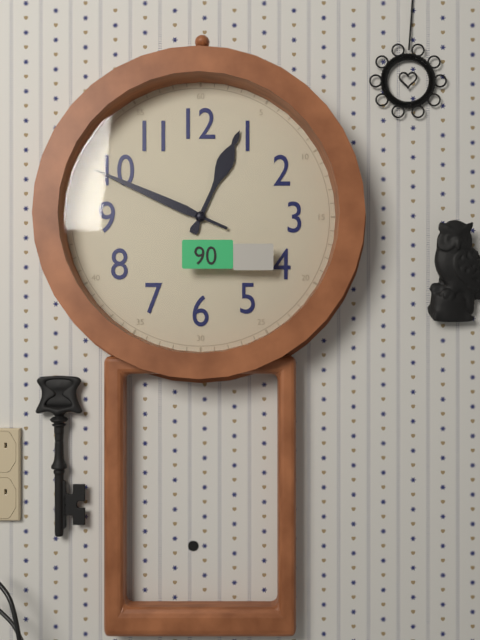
12:49
